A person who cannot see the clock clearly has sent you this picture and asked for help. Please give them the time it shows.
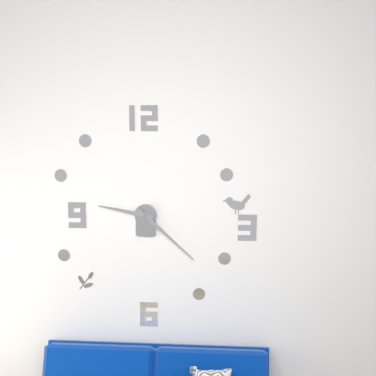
9:22
